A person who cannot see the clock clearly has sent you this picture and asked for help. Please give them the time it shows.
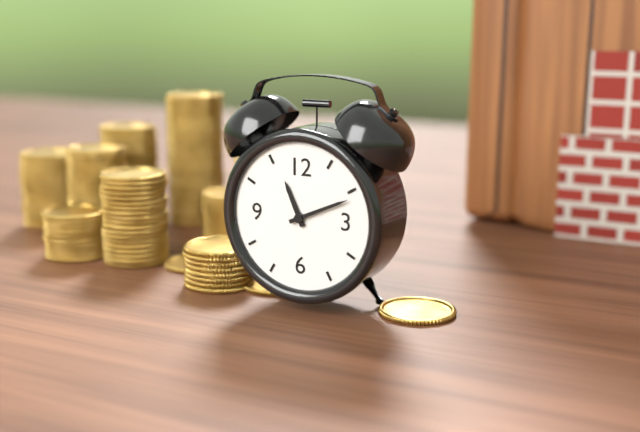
11:11
